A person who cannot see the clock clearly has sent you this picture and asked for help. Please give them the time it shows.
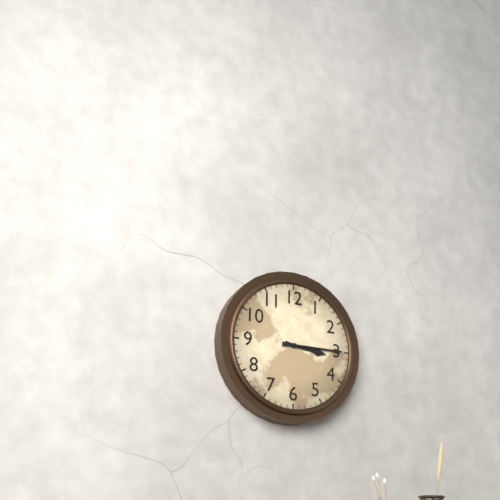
3:15
